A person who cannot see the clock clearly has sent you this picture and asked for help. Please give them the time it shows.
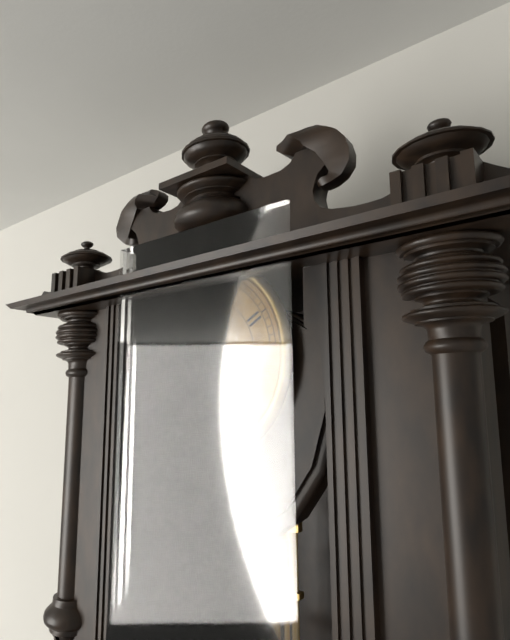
11:50
